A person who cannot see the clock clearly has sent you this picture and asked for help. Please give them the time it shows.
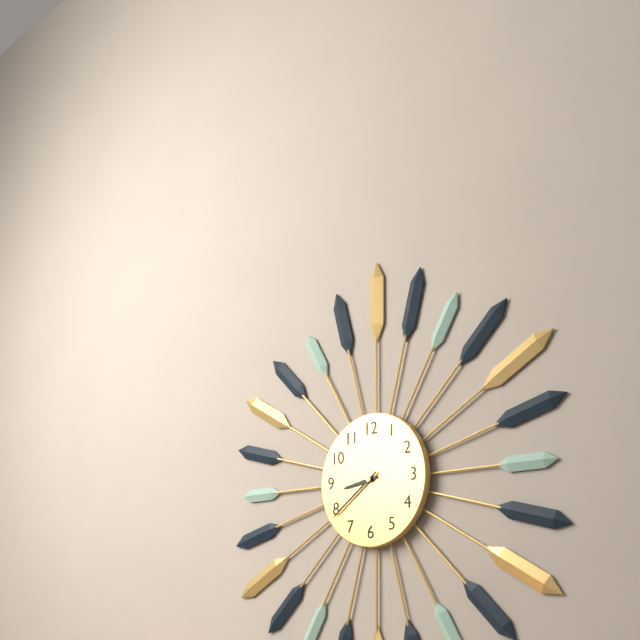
8:39
